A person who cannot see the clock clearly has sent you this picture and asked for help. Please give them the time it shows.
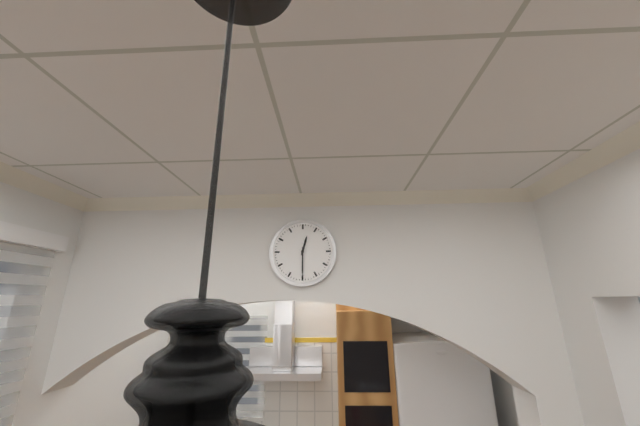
12:30
